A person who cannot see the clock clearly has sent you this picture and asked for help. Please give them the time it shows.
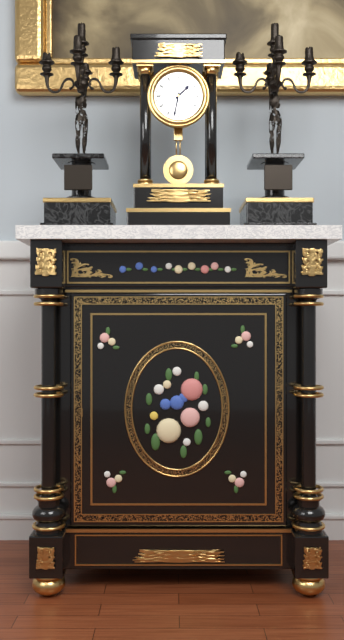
1:32
